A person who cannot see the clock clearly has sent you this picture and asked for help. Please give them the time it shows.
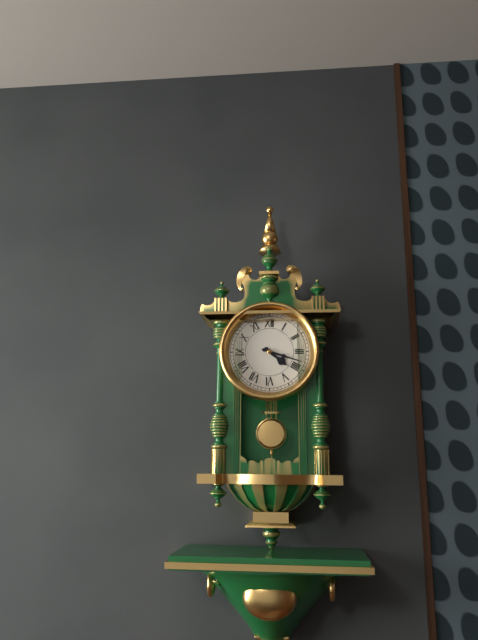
4:18
